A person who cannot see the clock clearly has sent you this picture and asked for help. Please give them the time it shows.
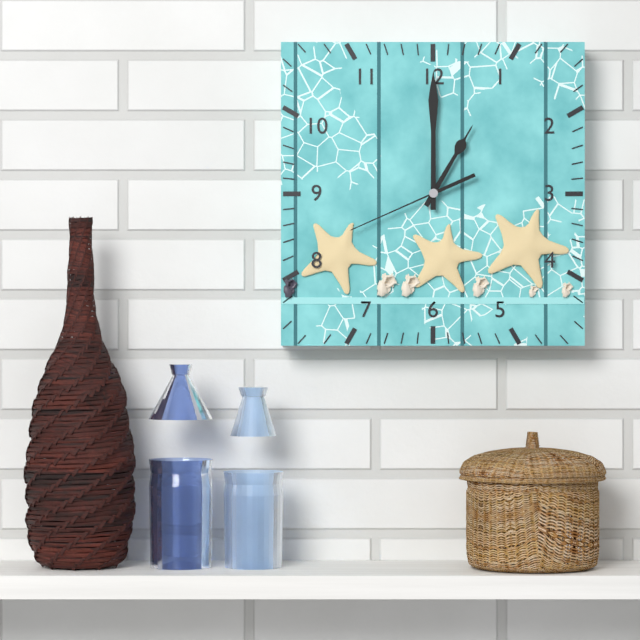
1:00:41
